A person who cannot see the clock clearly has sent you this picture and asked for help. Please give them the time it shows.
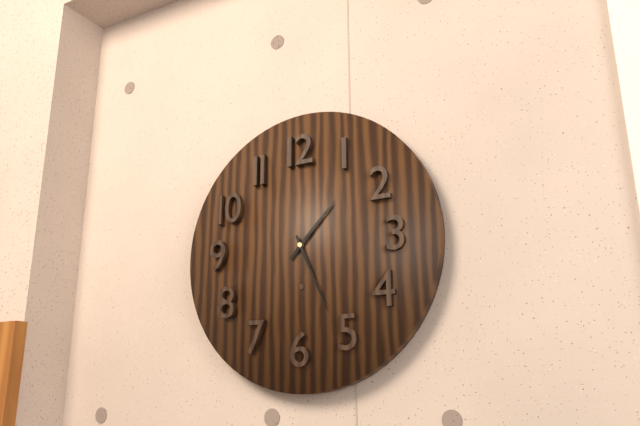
1:26
